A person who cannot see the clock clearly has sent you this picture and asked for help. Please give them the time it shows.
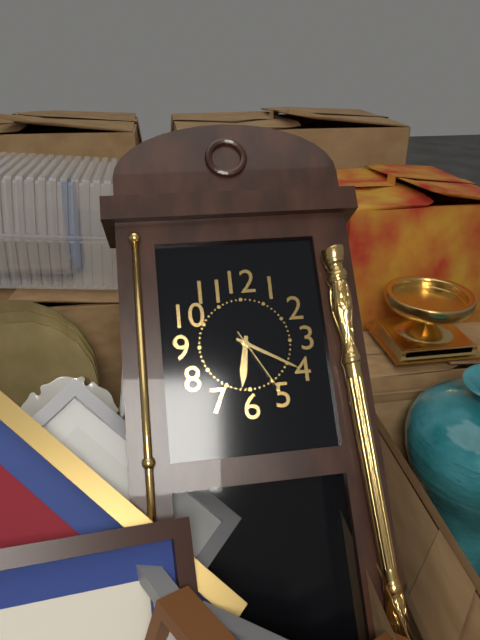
6:20:25
